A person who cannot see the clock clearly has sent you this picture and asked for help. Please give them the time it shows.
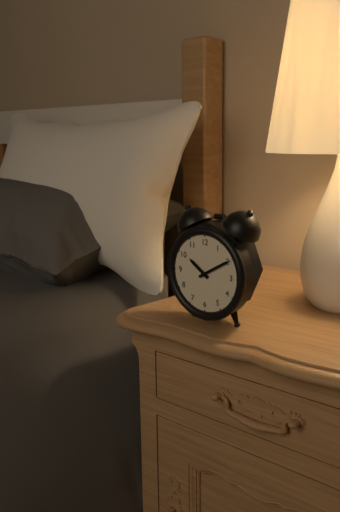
10:10
